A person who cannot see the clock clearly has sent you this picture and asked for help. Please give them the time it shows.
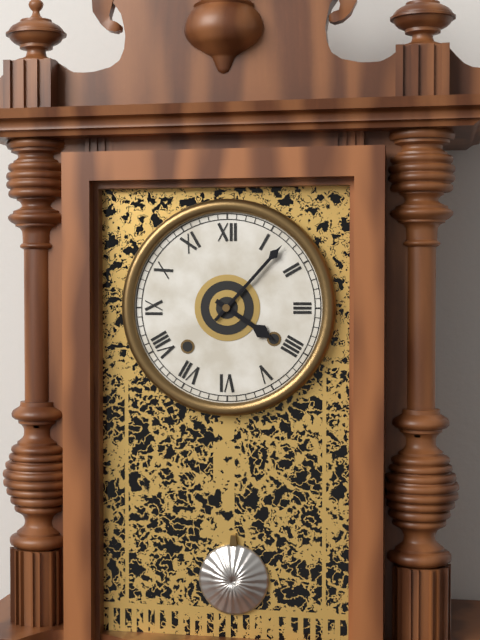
4:07
